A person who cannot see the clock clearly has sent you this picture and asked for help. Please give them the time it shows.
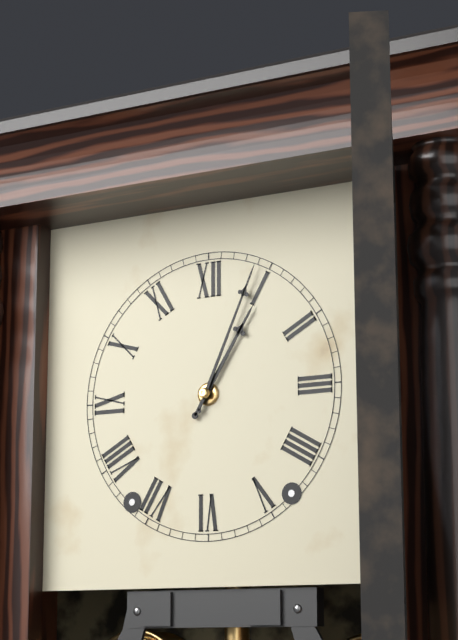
1:04
